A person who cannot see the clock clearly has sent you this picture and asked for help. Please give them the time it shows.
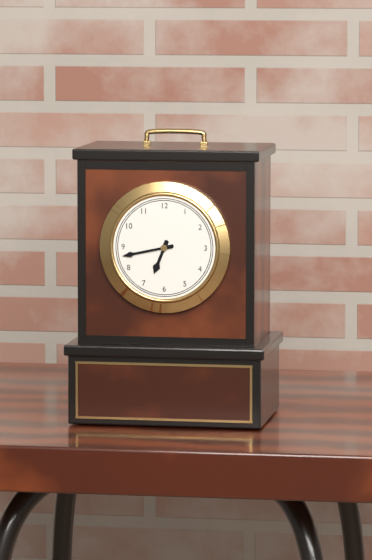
6:43
